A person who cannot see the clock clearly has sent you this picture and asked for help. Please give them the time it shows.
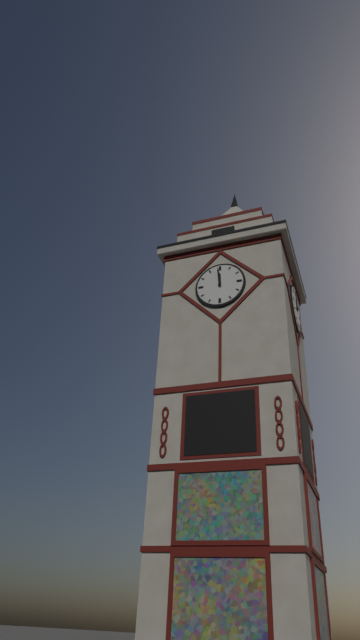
11:59
